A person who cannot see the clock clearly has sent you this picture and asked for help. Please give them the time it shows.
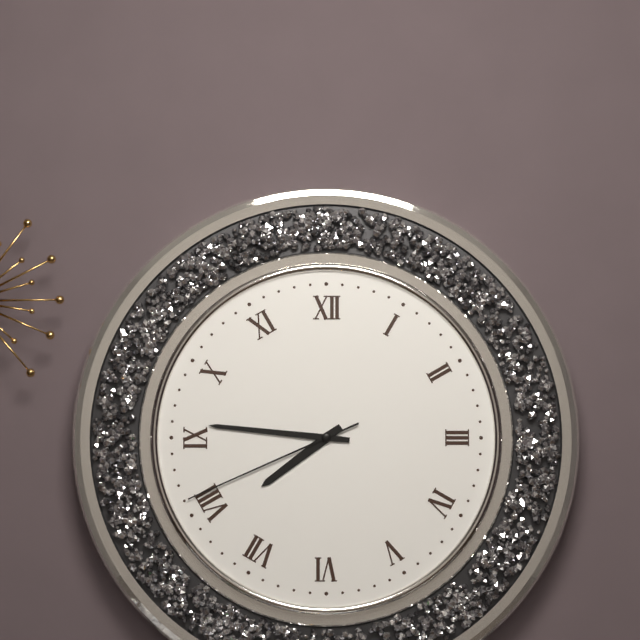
7:46:41
